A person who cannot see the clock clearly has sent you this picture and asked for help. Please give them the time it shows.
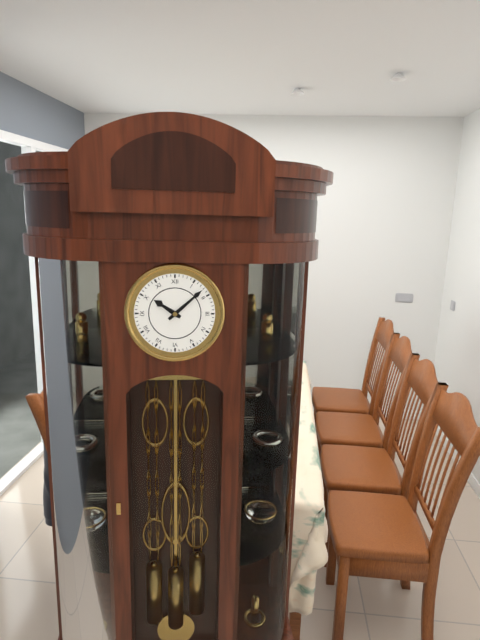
10:08
